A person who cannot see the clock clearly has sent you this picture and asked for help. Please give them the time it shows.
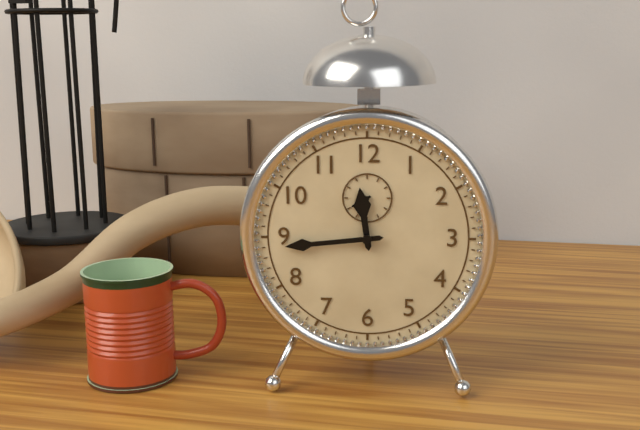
11:44
